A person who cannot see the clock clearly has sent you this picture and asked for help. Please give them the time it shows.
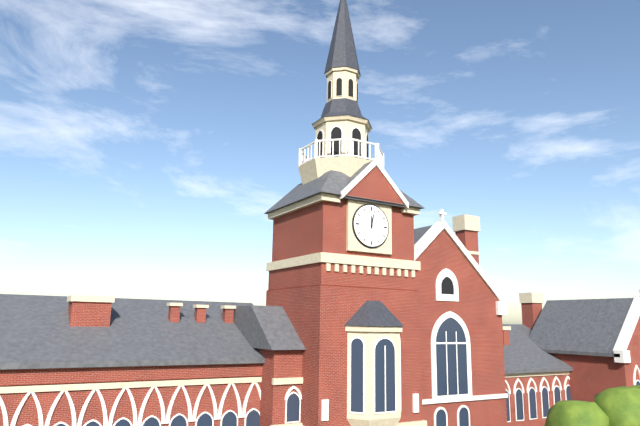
12:02
